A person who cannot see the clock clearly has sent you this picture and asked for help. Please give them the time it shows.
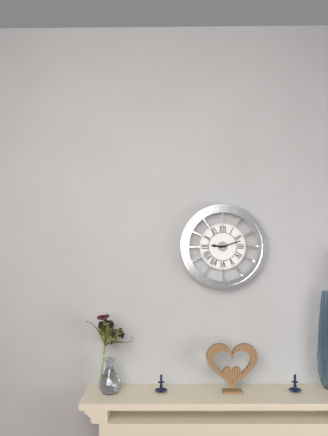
9:12
